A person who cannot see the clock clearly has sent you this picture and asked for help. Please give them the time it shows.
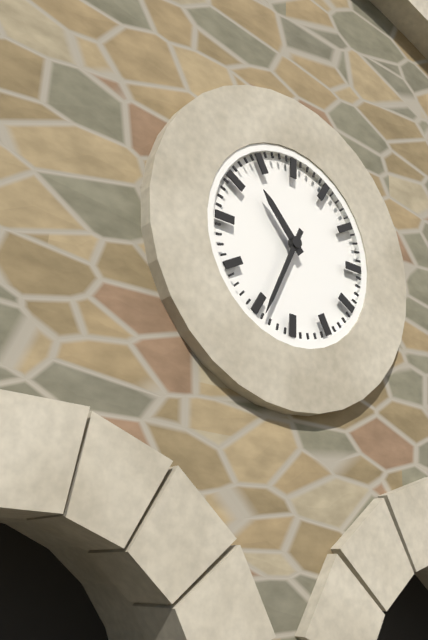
10:34
